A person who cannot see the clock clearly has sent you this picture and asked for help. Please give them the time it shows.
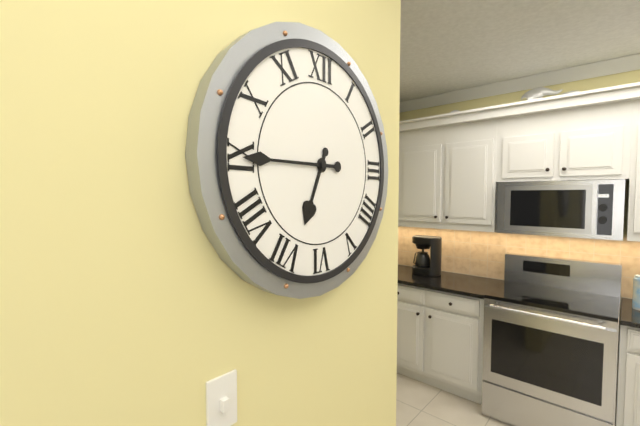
6:45
